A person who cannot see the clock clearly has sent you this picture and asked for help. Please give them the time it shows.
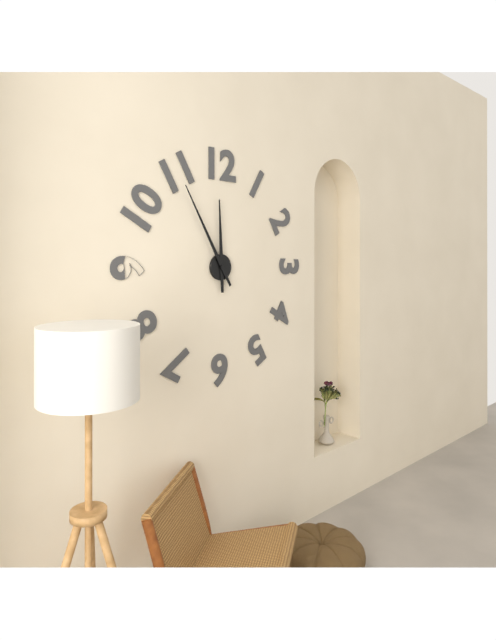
11:55
